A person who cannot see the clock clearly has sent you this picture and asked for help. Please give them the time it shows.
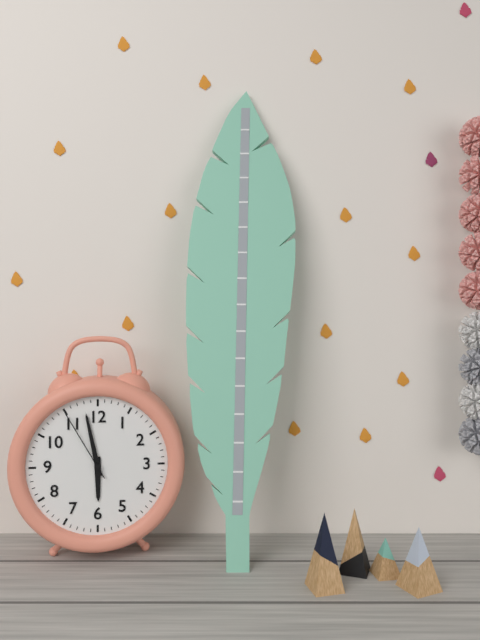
5:58:55
